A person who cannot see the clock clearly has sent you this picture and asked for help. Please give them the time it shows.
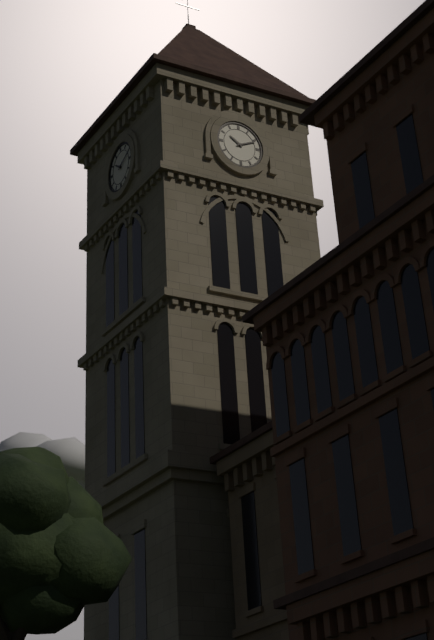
10:11
